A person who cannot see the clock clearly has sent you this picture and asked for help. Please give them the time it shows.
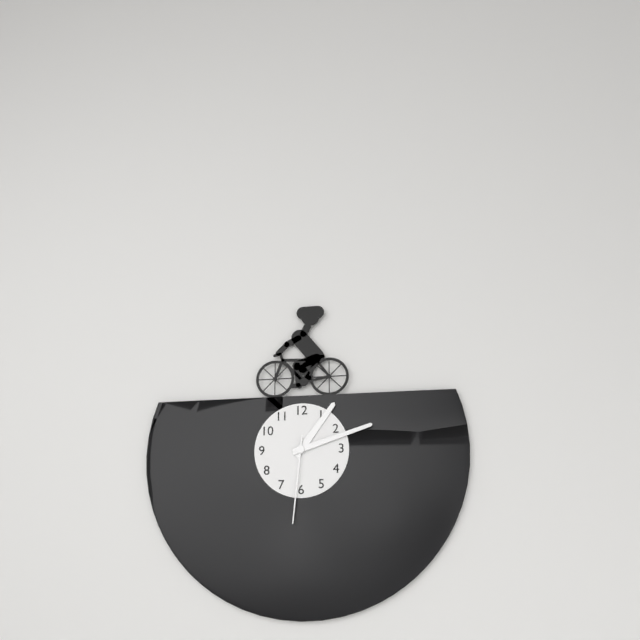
1:12:31
